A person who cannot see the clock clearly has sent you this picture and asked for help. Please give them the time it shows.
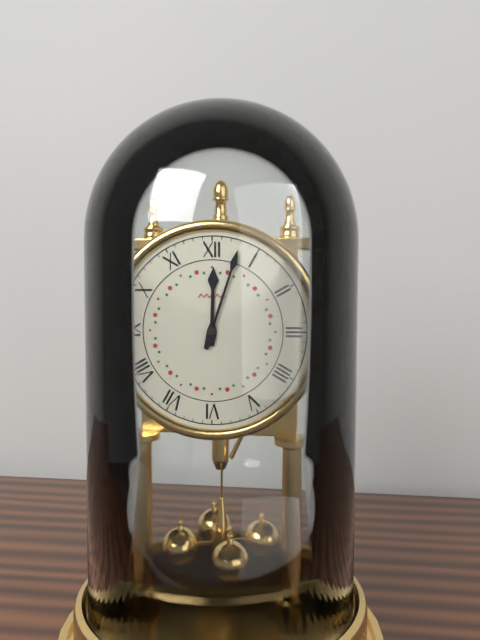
12:03
